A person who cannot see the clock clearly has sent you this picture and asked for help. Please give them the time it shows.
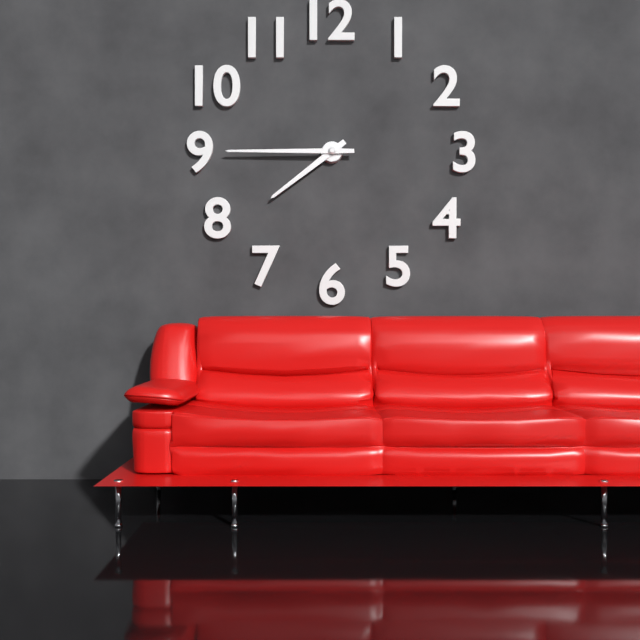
7:45
